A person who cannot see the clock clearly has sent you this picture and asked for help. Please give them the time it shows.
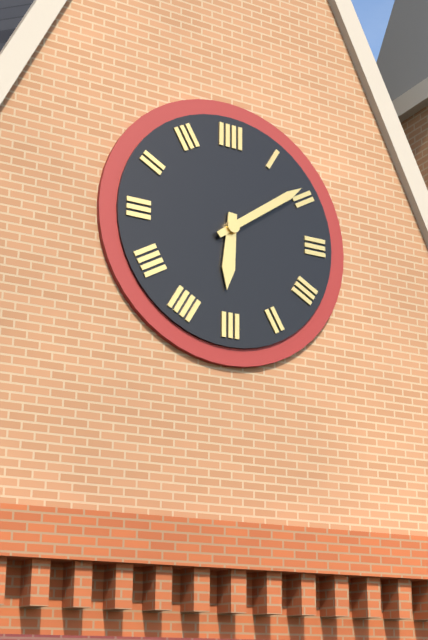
6:09
